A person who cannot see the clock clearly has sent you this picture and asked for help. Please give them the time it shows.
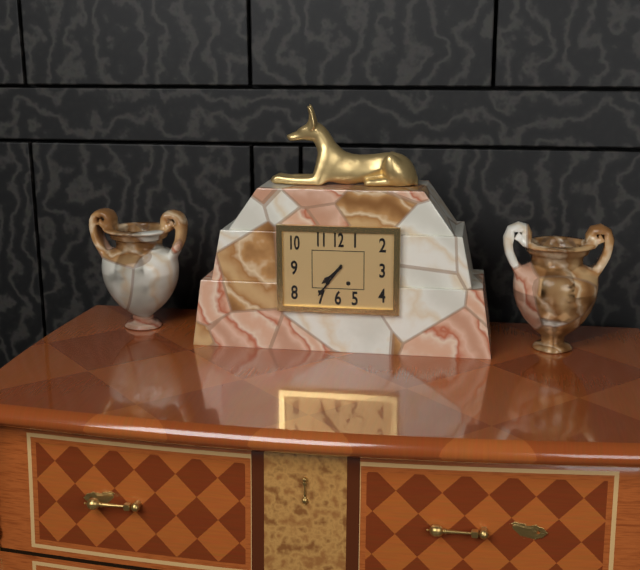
7:36
